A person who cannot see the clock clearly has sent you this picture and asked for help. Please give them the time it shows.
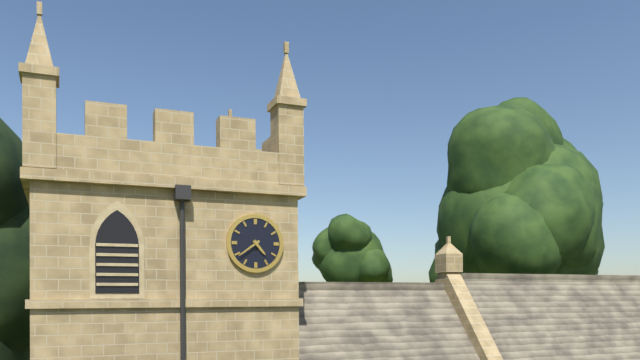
4:39
